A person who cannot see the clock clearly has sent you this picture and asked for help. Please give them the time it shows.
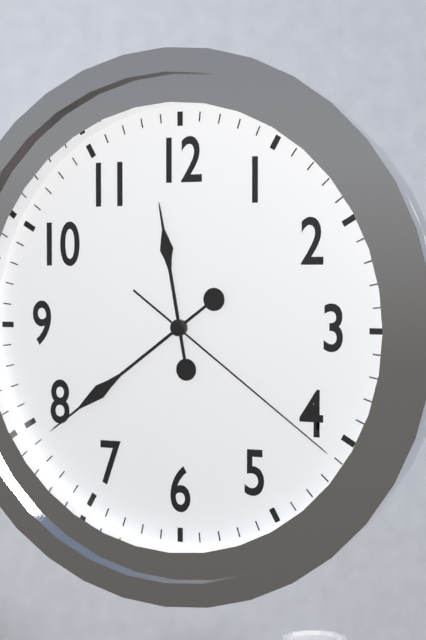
11:39:21
